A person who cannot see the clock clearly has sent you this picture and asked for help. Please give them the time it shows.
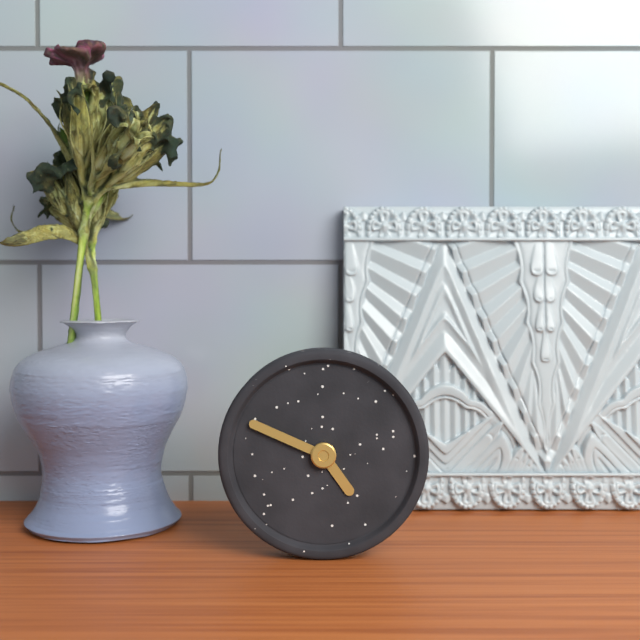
4:49
